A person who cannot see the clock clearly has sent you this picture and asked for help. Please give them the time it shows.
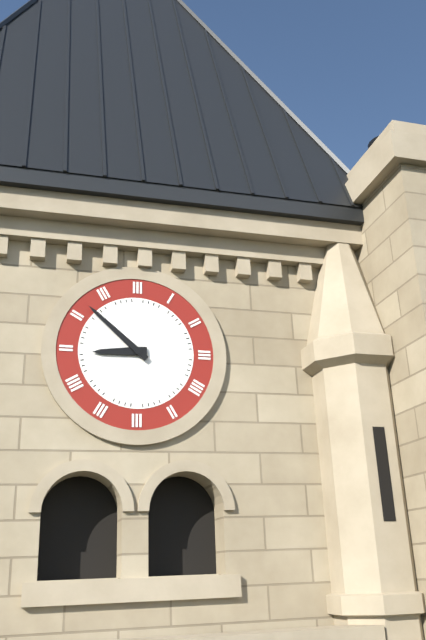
8:52
